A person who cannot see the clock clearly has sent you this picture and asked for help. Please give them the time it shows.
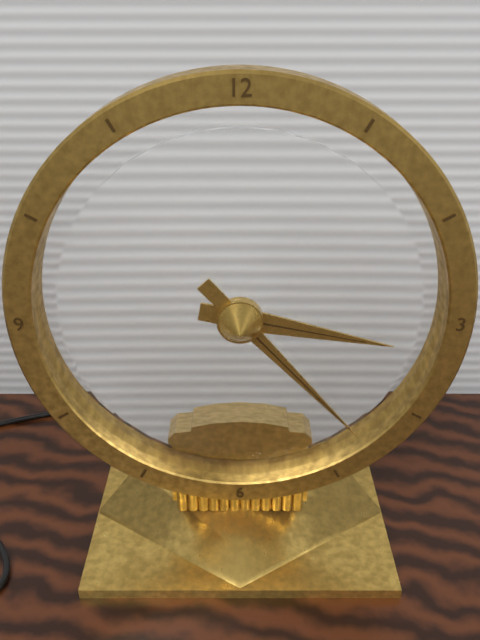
3:23
